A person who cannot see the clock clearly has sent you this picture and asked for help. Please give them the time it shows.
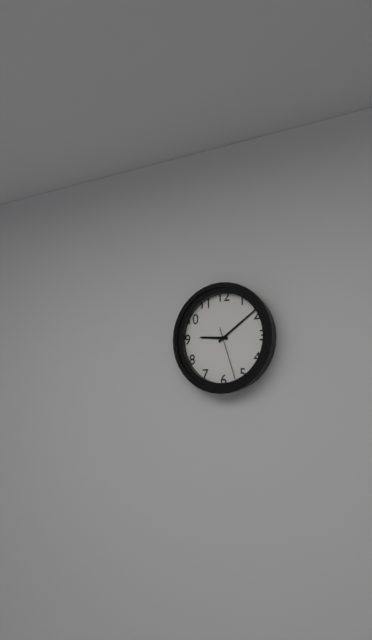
9:09:27
